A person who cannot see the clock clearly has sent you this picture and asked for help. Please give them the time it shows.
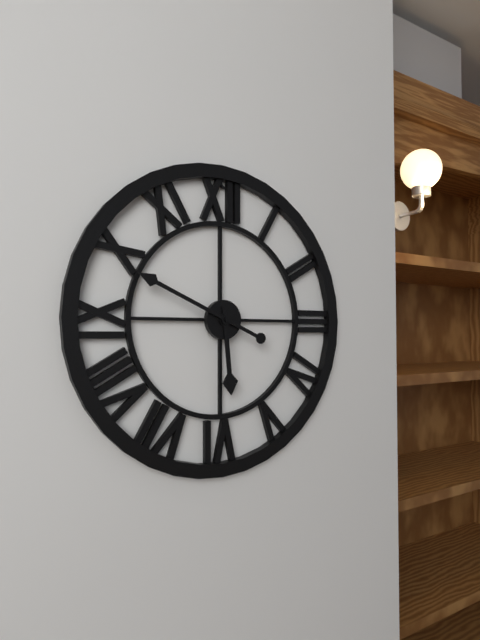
5:49
